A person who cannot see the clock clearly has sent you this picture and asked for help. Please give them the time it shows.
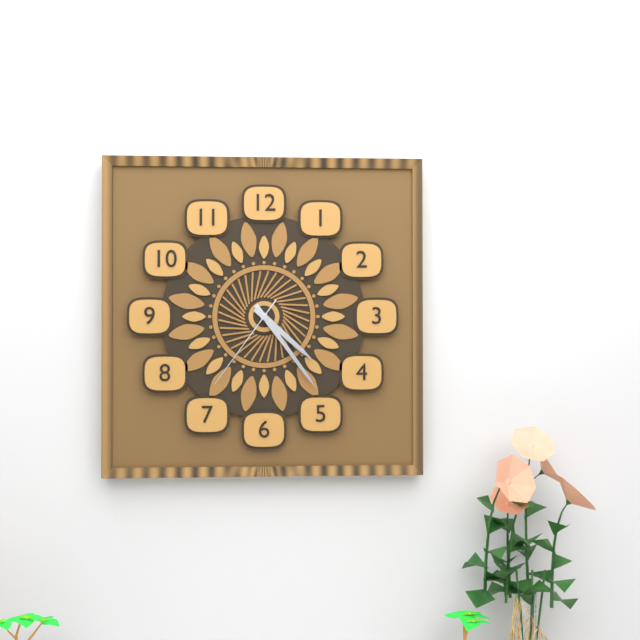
4:24:36
